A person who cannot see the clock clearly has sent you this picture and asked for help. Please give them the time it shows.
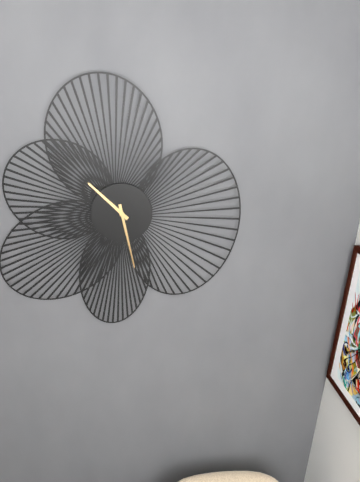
10:28
